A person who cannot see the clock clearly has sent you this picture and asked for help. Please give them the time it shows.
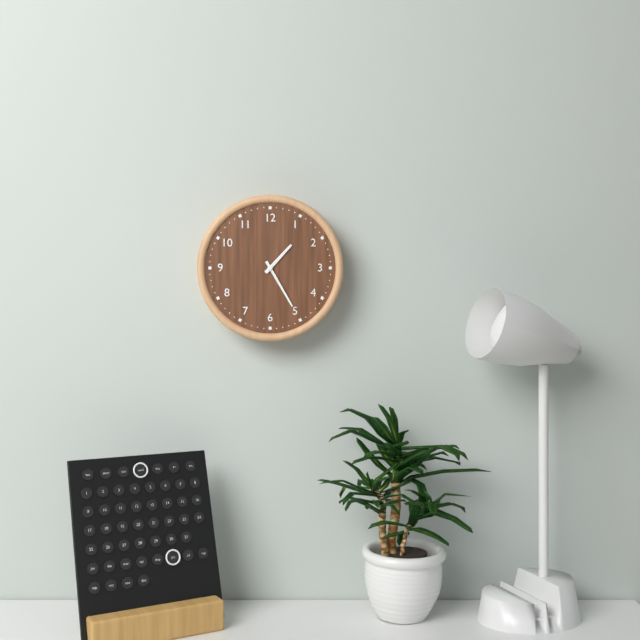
1:25
